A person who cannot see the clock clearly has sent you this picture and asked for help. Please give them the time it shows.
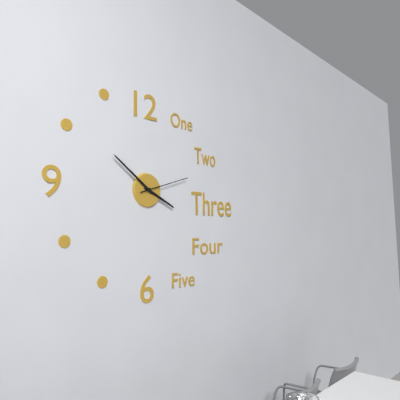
3:51:12
